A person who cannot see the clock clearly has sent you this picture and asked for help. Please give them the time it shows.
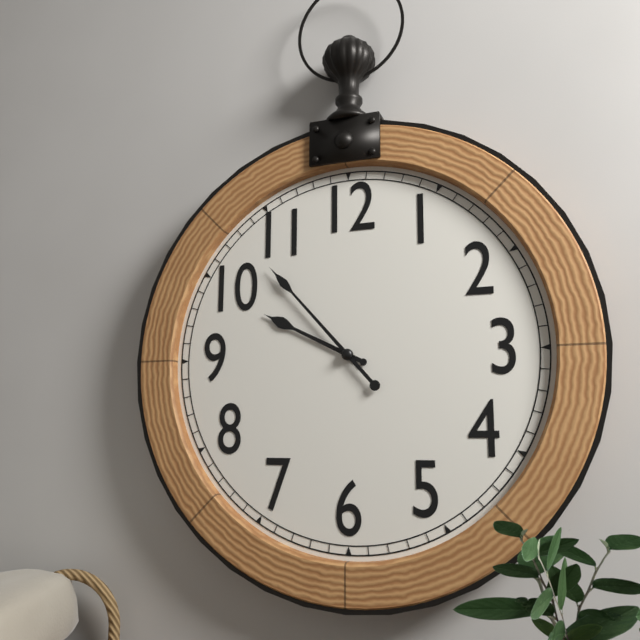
9:53
